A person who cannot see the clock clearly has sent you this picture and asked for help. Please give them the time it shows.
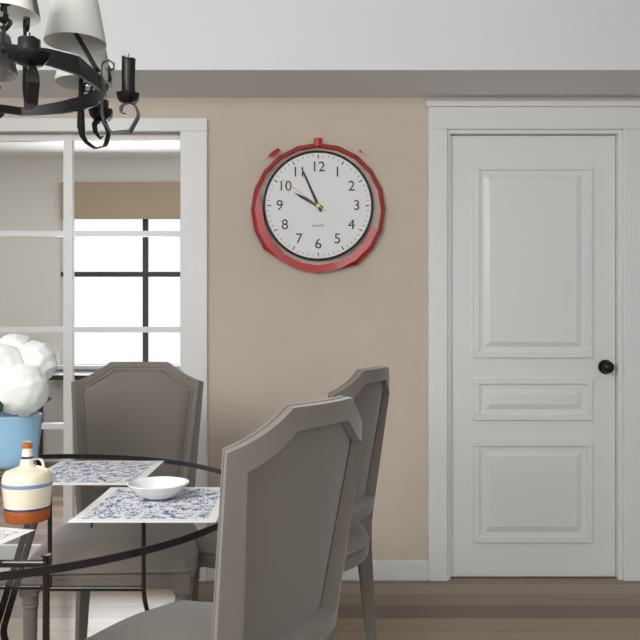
9:56:51
